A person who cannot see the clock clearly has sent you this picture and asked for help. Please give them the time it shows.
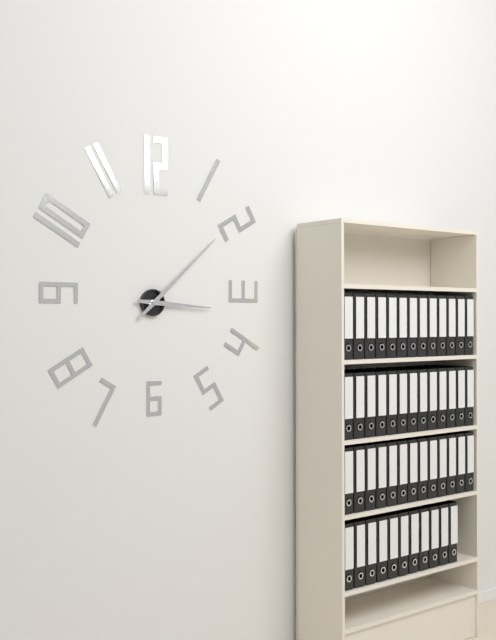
3:08
